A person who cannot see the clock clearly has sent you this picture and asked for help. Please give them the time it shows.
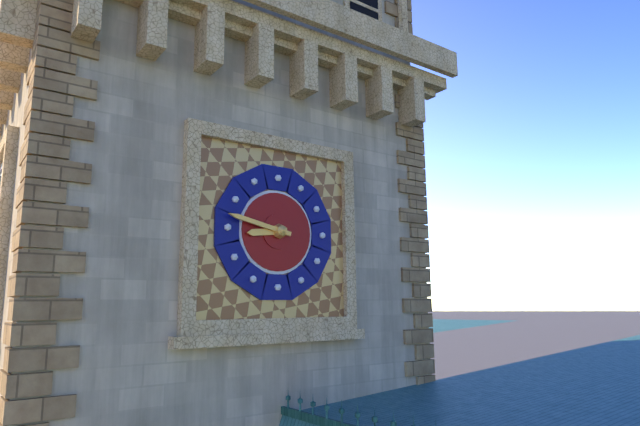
8:47
